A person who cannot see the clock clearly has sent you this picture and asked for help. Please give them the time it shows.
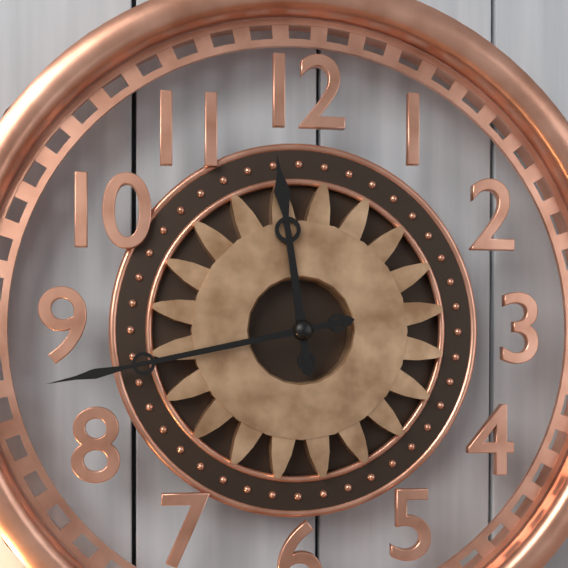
11:43
